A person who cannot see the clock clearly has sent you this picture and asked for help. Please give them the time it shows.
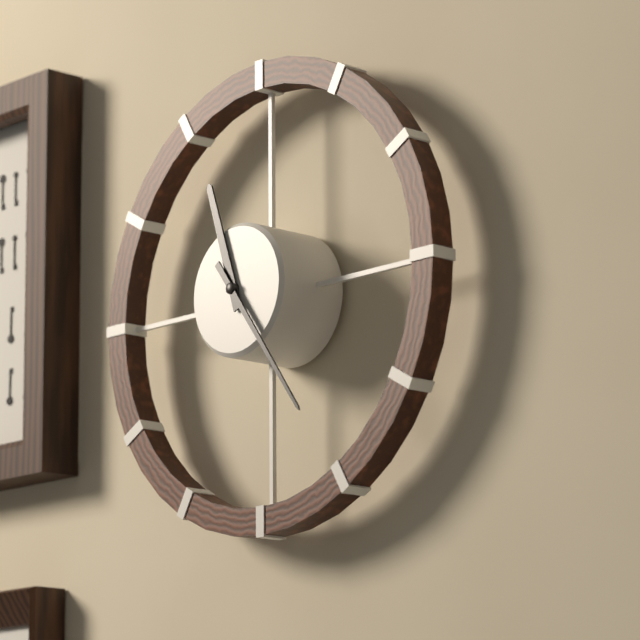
11:24
